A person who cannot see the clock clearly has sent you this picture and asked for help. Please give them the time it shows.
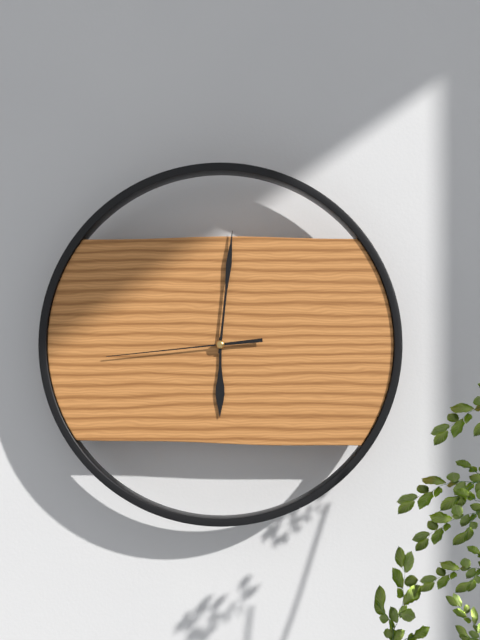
6:01:44
